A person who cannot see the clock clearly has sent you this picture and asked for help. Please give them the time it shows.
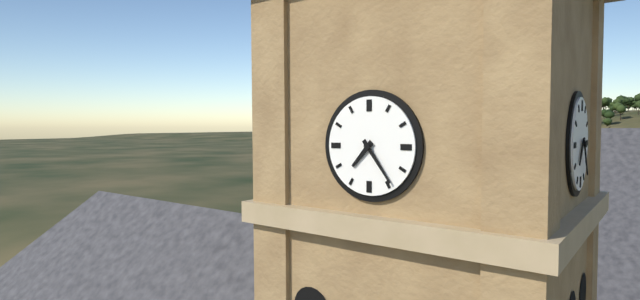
7:24
